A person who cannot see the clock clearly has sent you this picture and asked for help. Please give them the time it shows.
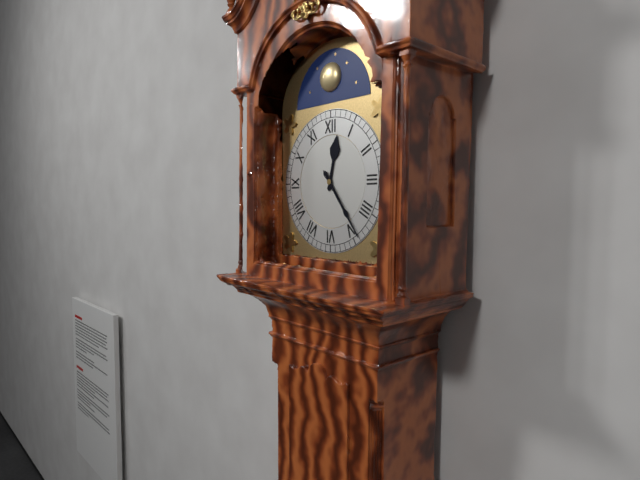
12:24
